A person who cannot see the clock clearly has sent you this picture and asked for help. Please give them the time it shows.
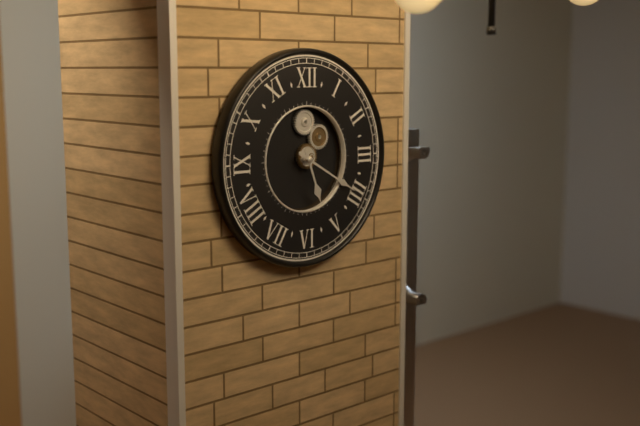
5:20
